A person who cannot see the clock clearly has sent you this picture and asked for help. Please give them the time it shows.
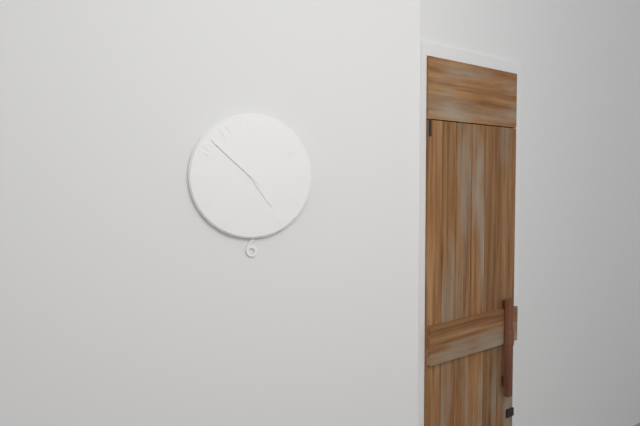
4:52
